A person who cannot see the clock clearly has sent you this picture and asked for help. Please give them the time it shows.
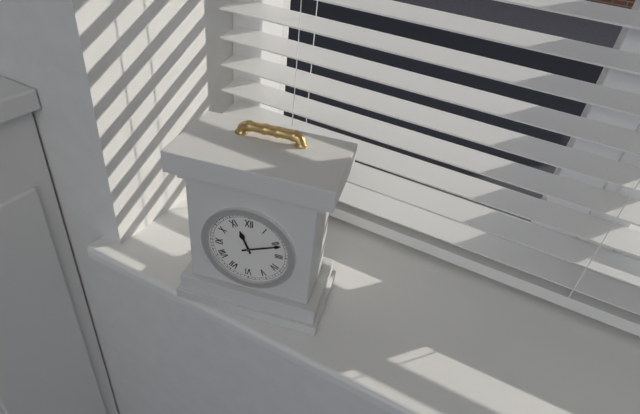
11:11
